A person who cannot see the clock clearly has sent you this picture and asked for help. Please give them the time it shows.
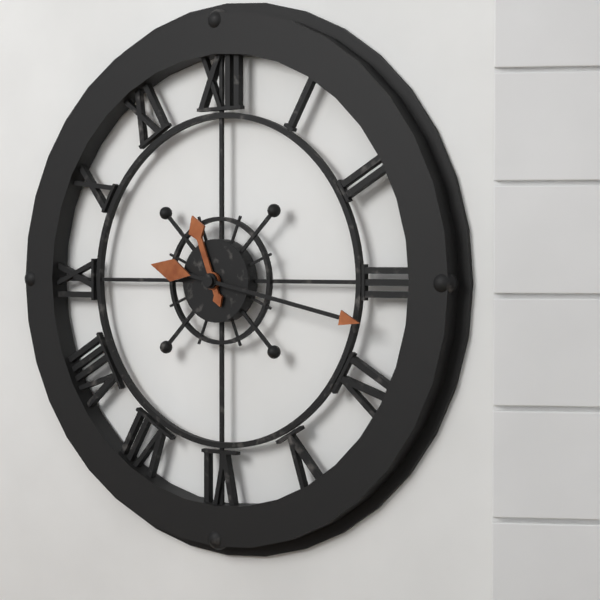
11:17
